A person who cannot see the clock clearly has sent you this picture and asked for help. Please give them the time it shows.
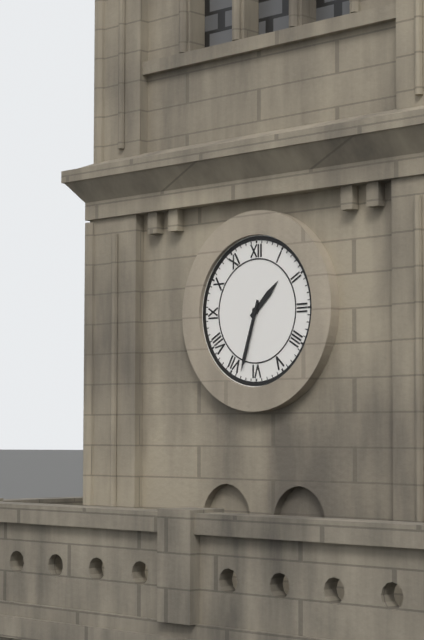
1:33
